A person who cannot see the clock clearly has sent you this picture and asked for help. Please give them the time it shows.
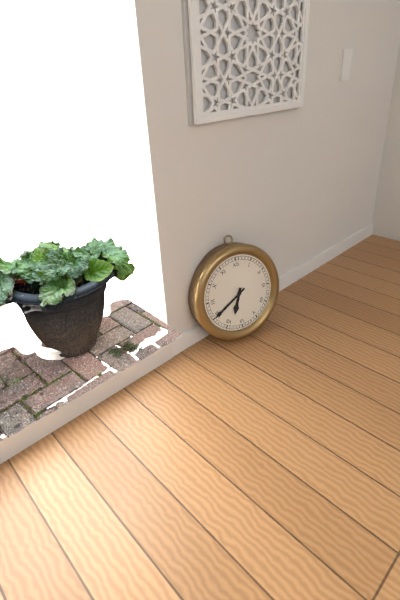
6:40
